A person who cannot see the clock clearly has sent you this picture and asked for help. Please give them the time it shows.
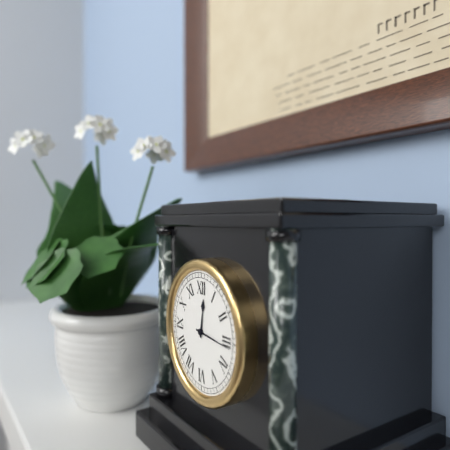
12:16
